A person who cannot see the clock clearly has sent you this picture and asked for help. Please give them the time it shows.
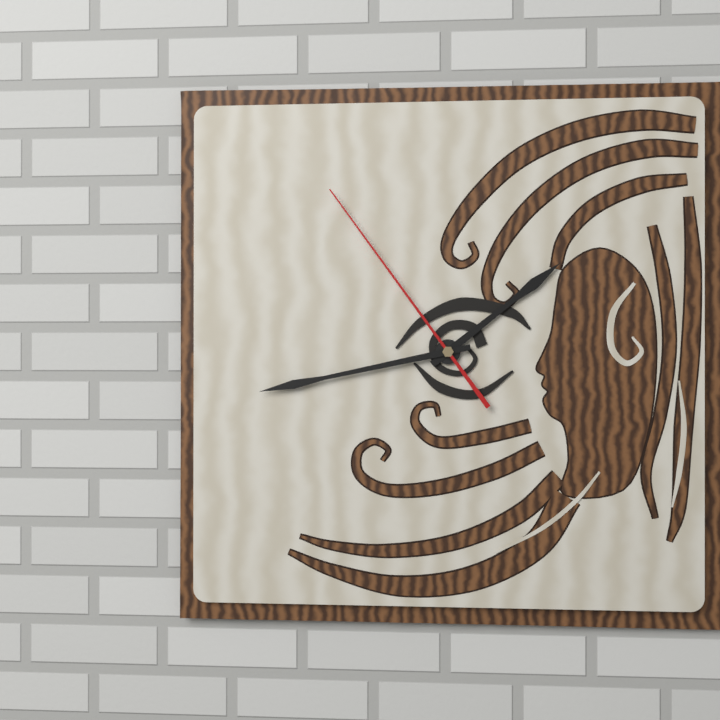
1:43:54
